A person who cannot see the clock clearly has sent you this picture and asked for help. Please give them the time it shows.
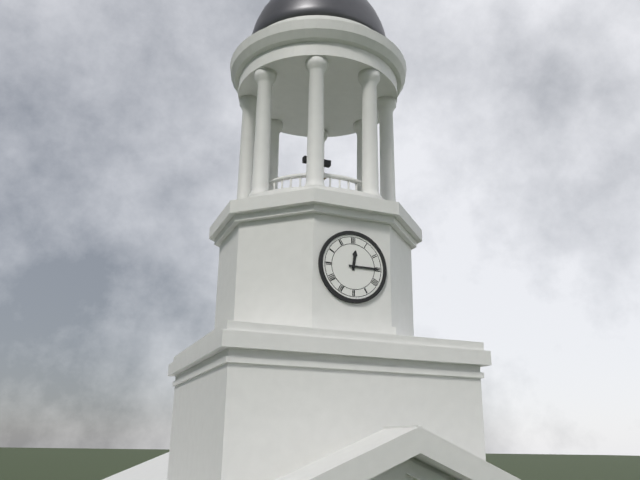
12:15
